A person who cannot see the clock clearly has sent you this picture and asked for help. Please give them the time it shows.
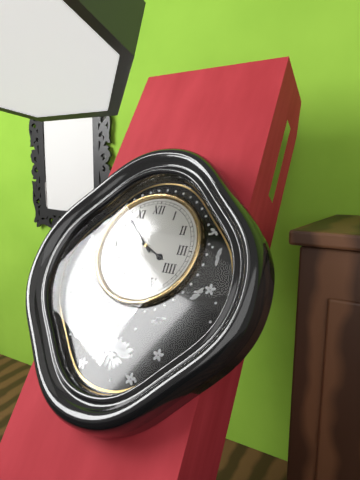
3:52
